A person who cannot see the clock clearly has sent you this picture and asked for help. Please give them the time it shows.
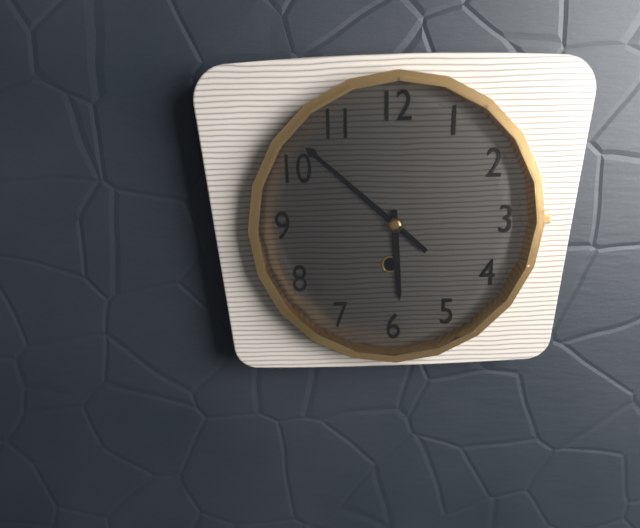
5:52
